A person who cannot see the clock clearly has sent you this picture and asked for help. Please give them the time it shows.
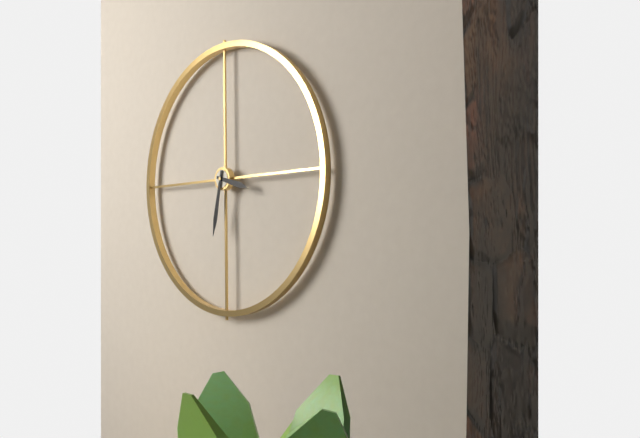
3:32
